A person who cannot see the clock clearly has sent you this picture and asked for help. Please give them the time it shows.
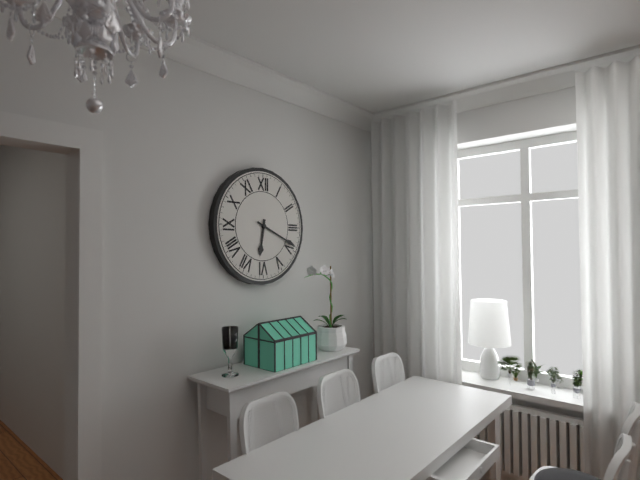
6:19
